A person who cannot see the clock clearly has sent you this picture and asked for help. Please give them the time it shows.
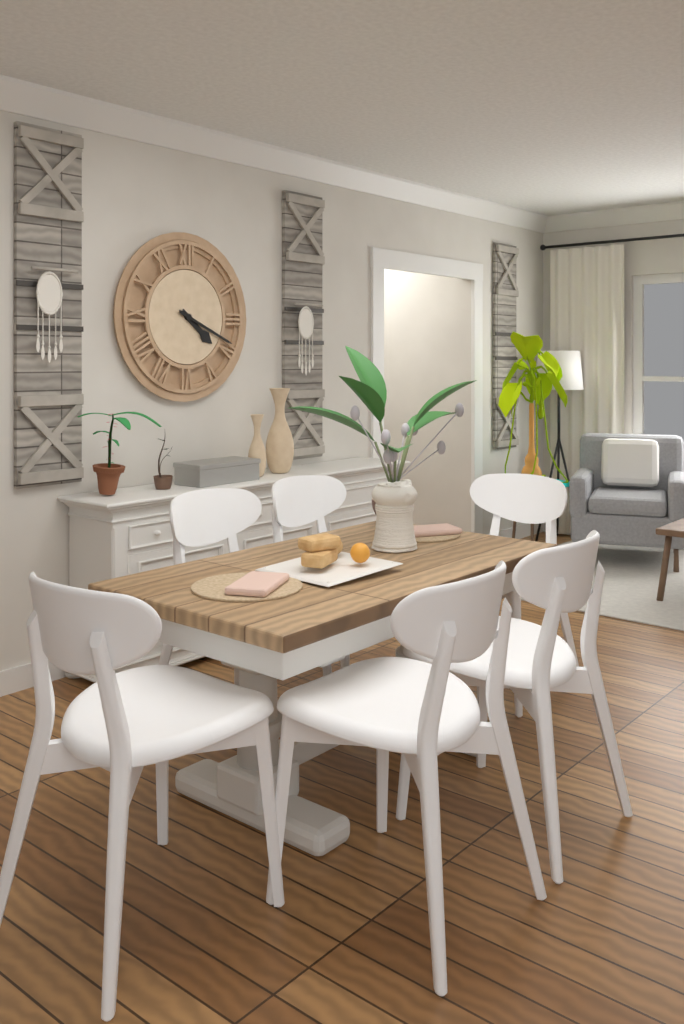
4:19
